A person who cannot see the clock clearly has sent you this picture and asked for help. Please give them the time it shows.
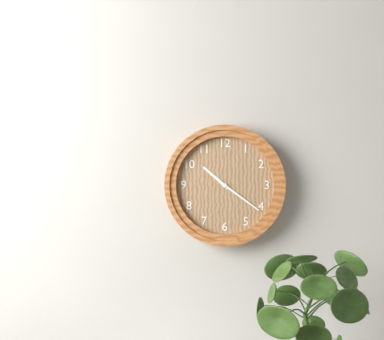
10:21
